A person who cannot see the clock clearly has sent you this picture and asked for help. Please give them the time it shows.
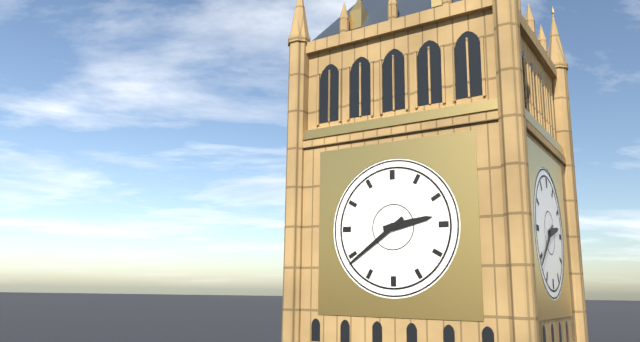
2:39
